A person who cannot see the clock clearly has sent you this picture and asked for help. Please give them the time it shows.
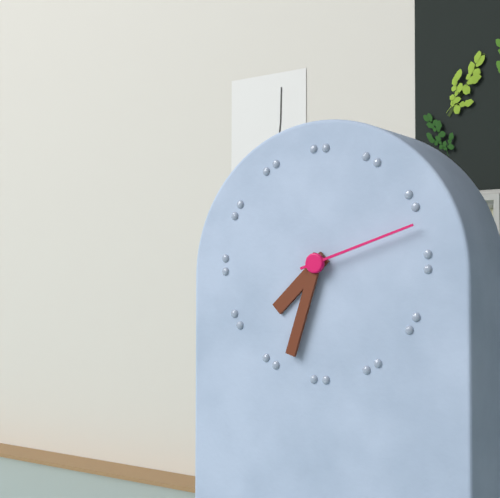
7:33:12
